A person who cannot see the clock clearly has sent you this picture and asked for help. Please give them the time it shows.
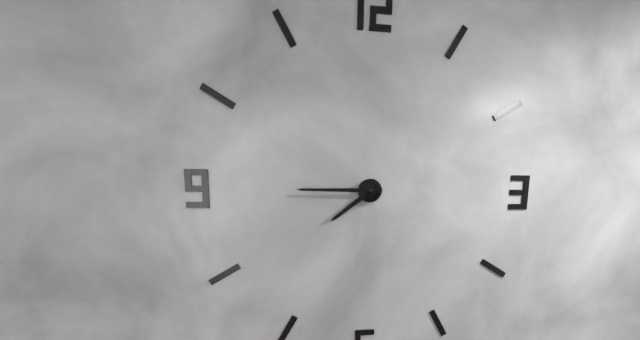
7:45
